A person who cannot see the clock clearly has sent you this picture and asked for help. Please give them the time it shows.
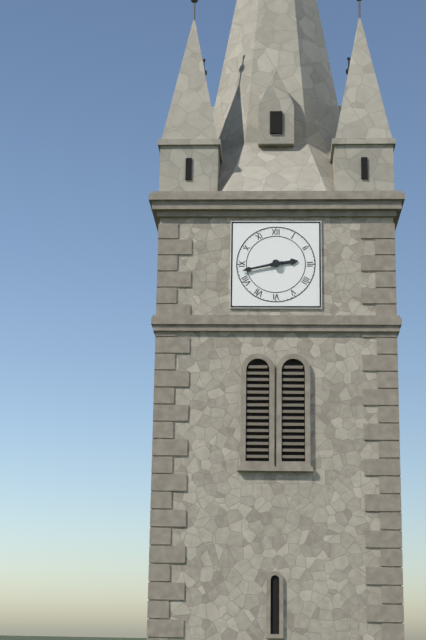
2:43
